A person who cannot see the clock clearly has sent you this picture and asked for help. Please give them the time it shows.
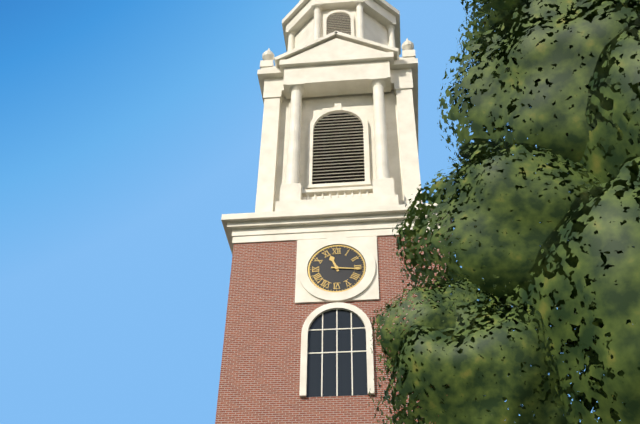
11:16
